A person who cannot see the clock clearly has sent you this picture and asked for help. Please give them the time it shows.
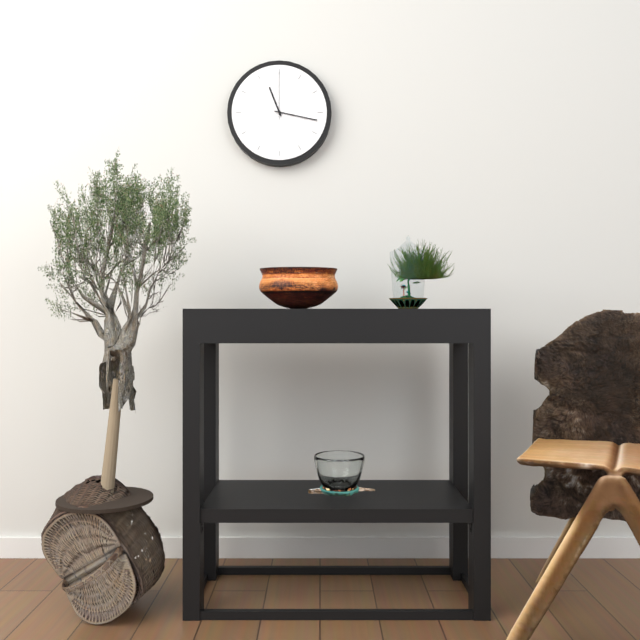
11:17:00
